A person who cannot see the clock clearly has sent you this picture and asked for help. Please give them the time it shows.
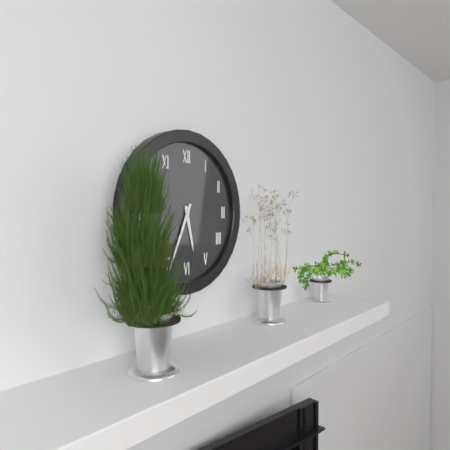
5:34
